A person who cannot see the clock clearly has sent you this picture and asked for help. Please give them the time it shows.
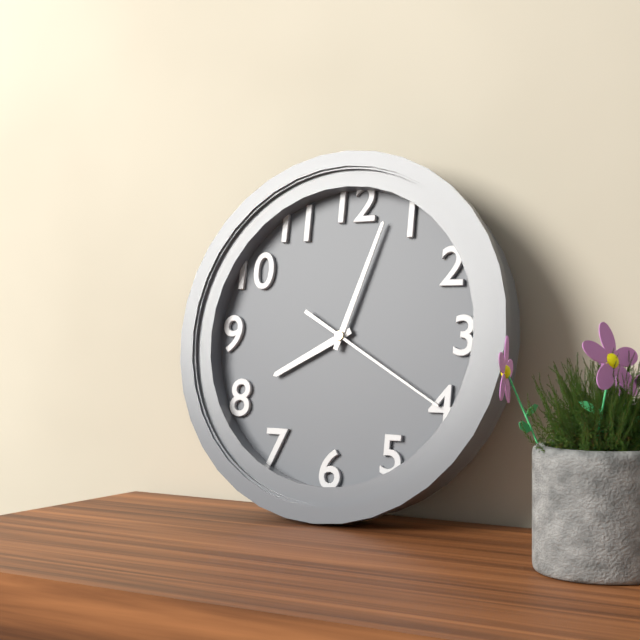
8:03:20
